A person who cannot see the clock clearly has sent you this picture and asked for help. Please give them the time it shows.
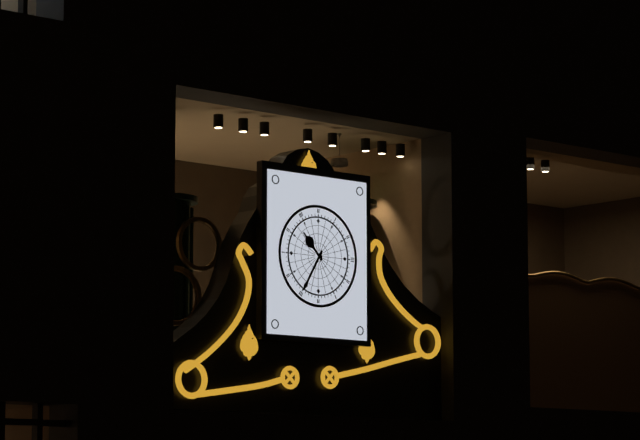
10:35
